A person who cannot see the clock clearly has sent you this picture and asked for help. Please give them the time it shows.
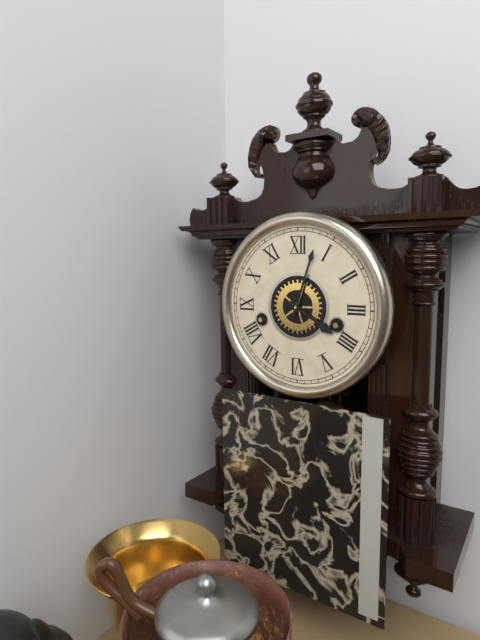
4:03
